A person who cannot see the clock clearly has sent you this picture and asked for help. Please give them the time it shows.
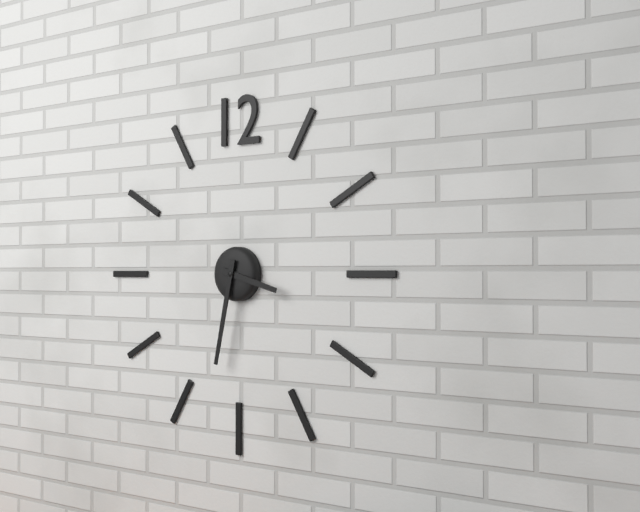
3:32
